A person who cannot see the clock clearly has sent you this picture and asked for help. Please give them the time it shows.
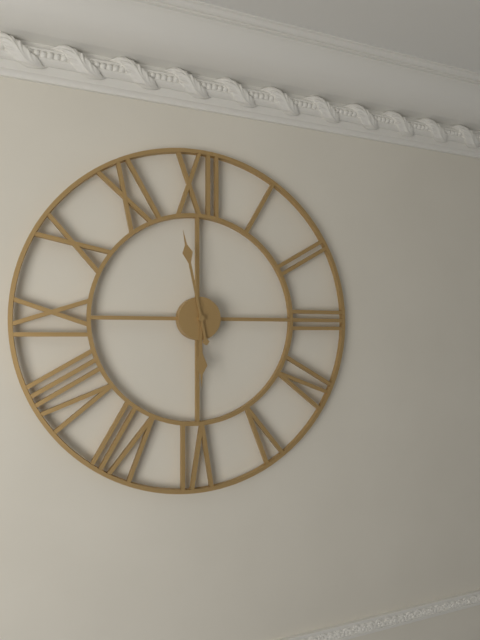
5:58
